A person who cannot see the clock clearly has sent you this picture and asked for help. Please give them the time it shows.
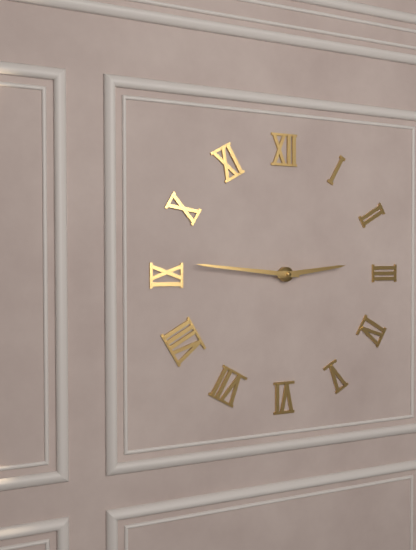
2:46
